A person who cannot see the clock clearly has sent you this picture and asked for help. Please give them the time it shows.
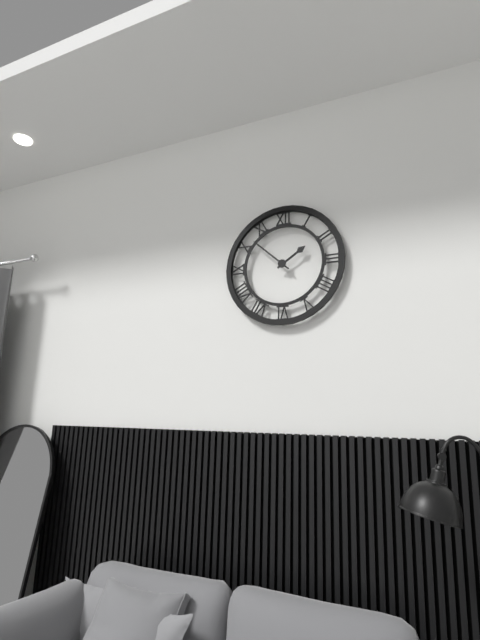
1:52
